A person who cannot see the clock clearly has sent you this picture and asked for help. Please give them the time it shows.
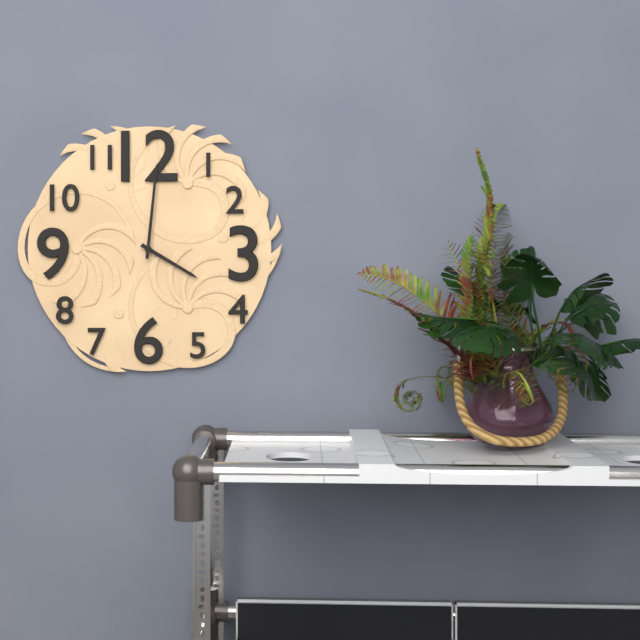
4:01
